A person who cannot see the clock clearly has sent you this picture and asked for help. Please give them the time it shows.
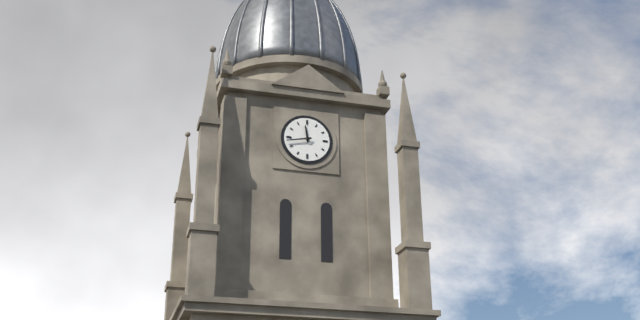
11:43
